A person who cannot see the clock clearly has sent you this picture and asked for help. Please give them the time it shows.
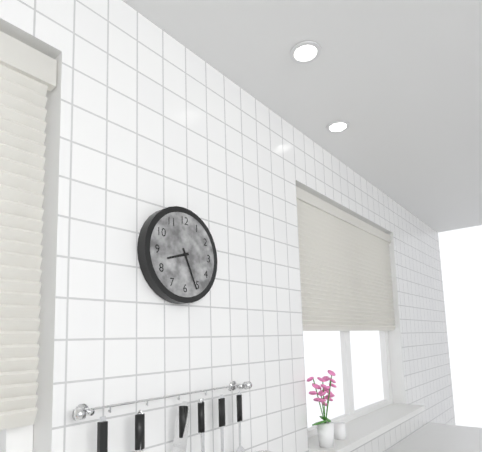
8:26
